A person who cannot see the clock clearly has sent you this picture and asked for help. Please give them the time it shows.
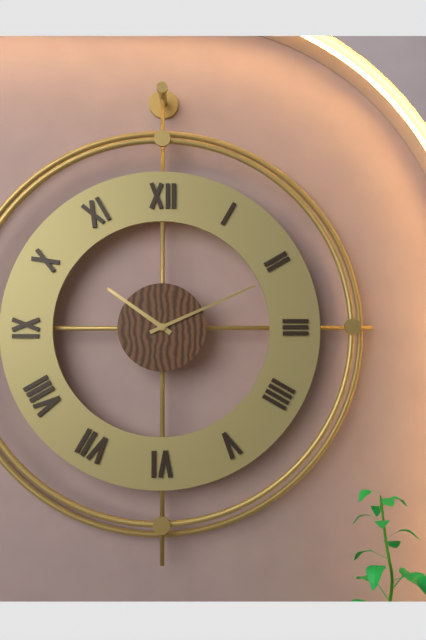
10:11
